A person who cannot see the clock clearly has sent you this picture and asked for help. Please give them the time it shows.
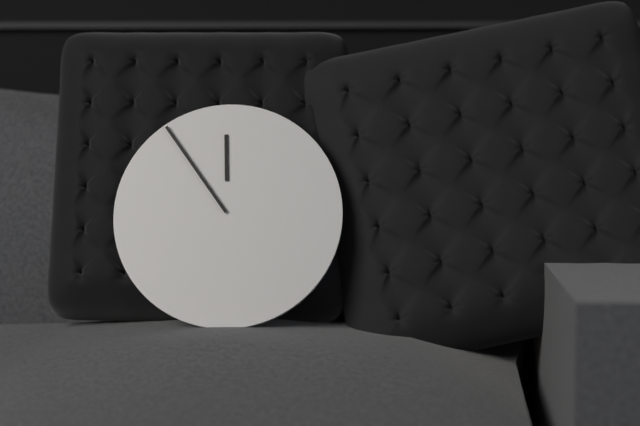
11:54
